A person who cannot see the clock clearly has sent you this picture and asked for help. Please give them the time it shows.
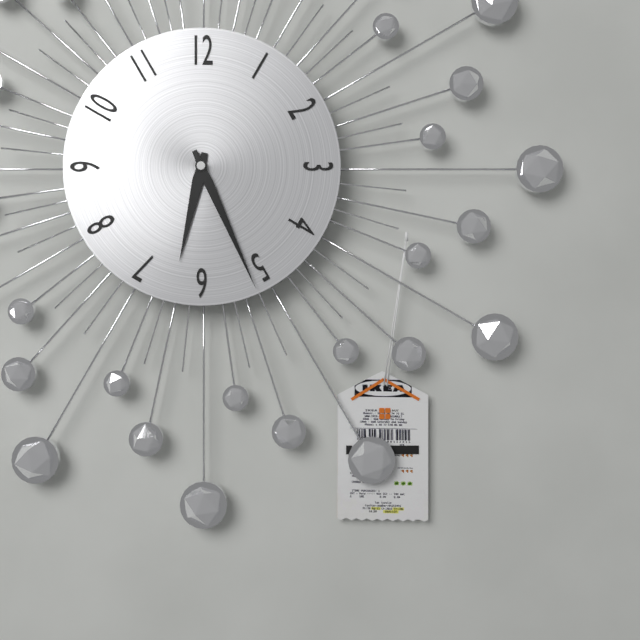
6:26
